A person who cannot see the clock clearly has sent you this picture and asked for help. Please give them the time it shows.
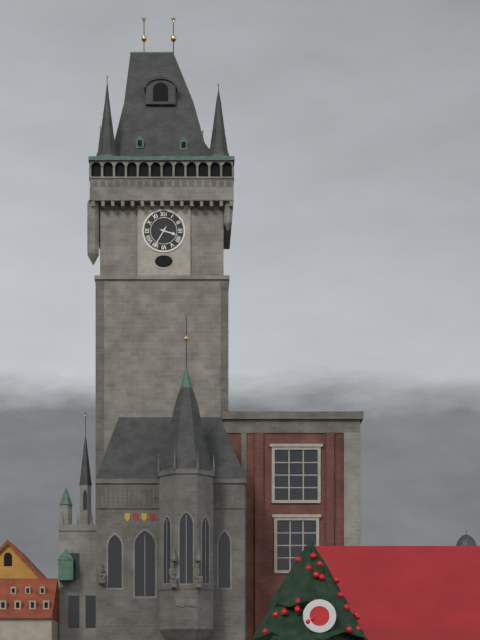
3:35
